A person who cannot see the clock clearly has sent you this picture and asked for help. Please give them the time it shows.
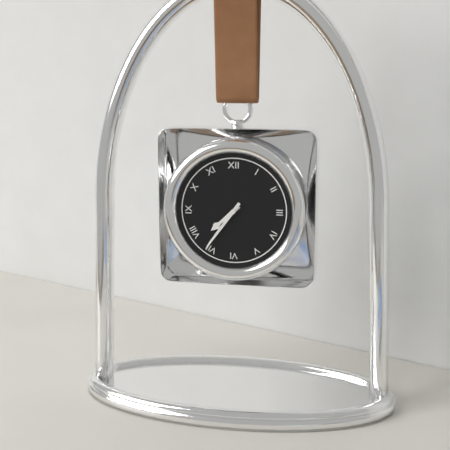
7:36
